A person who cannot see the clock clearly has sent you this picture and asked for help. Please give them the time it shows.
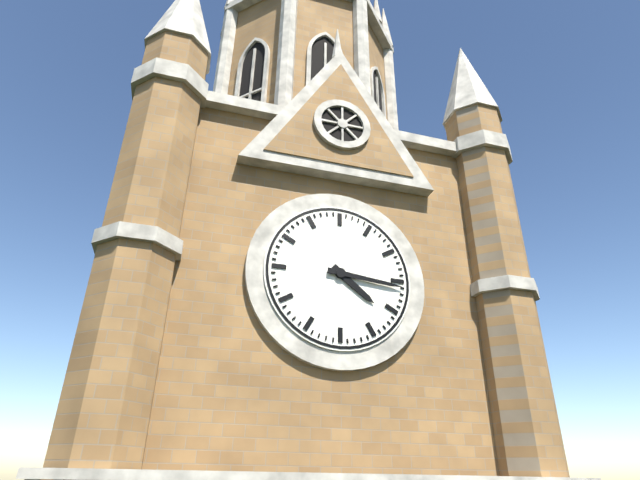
4:16
